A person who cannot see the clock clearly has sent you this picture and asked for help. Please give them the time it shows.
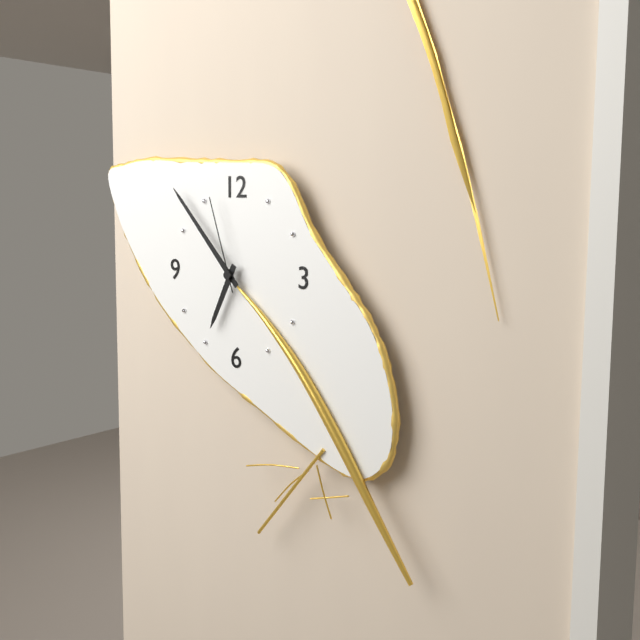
6:53:57
